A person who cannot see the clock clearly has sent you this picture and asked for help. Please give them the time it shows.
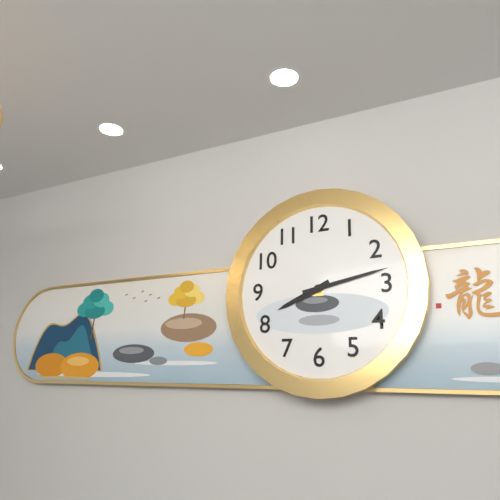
8:13
